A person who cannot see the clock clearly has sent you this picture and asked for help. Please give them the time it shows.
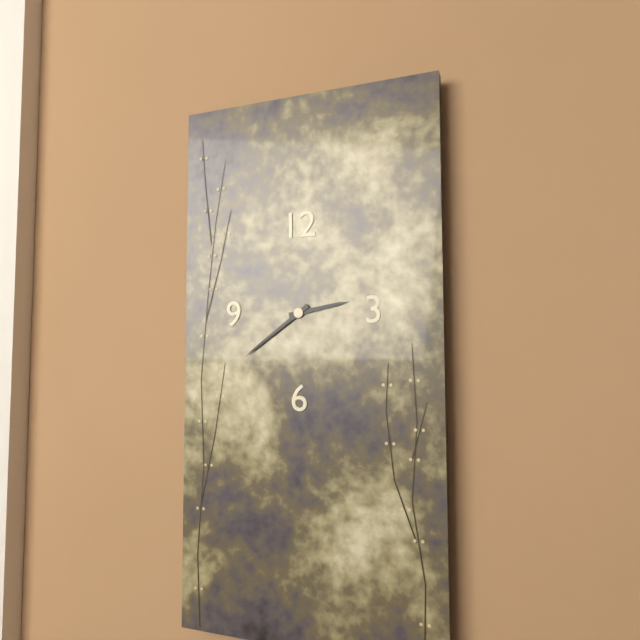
2:39
